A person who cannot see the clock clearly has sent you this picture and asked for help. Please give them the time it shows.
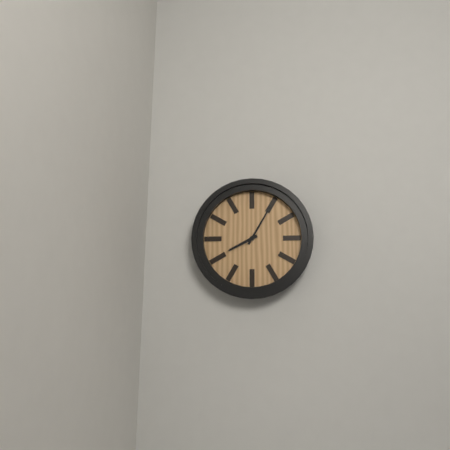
8:05
